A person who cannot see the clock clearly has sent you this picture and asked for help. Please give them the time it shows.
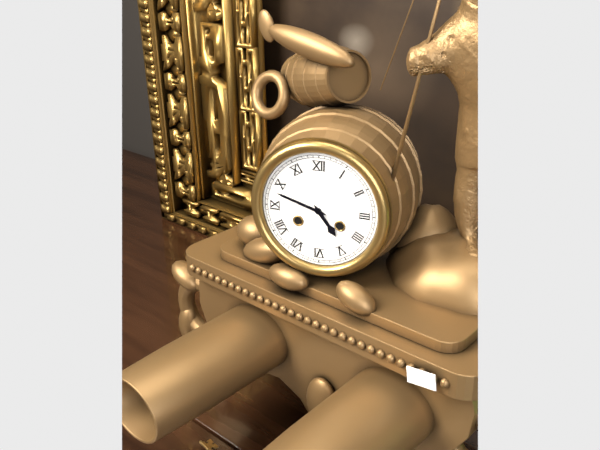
4:48
